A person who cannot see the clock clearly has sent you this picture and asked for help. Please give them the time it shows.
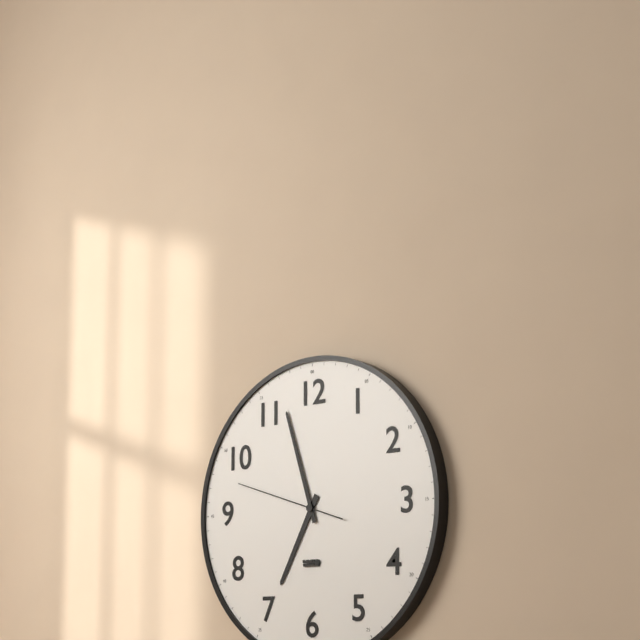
6:57:48
